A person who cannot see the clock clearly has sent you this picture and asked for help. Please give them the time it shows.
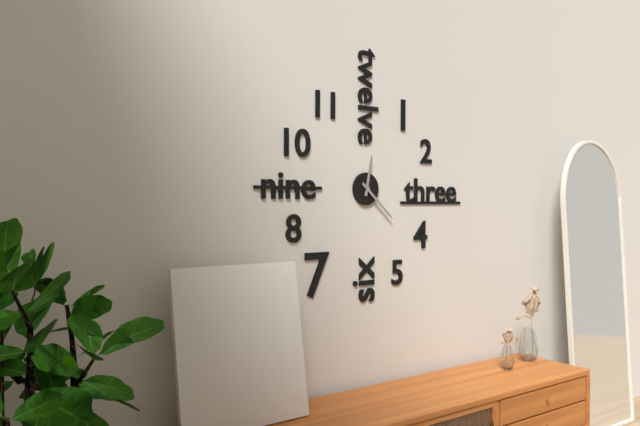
12:22
